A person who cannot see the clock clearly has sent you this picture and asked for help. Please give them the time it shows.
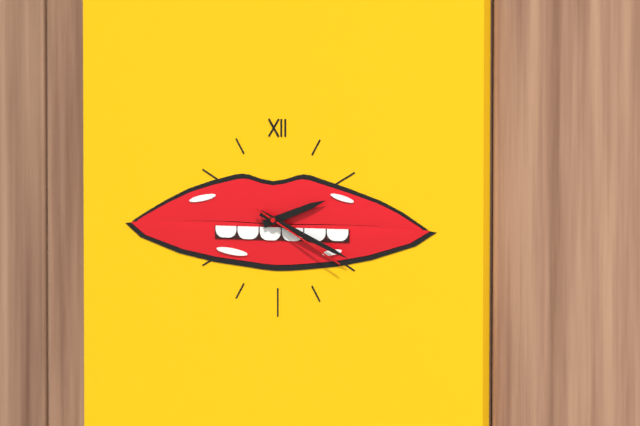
2:19:20
